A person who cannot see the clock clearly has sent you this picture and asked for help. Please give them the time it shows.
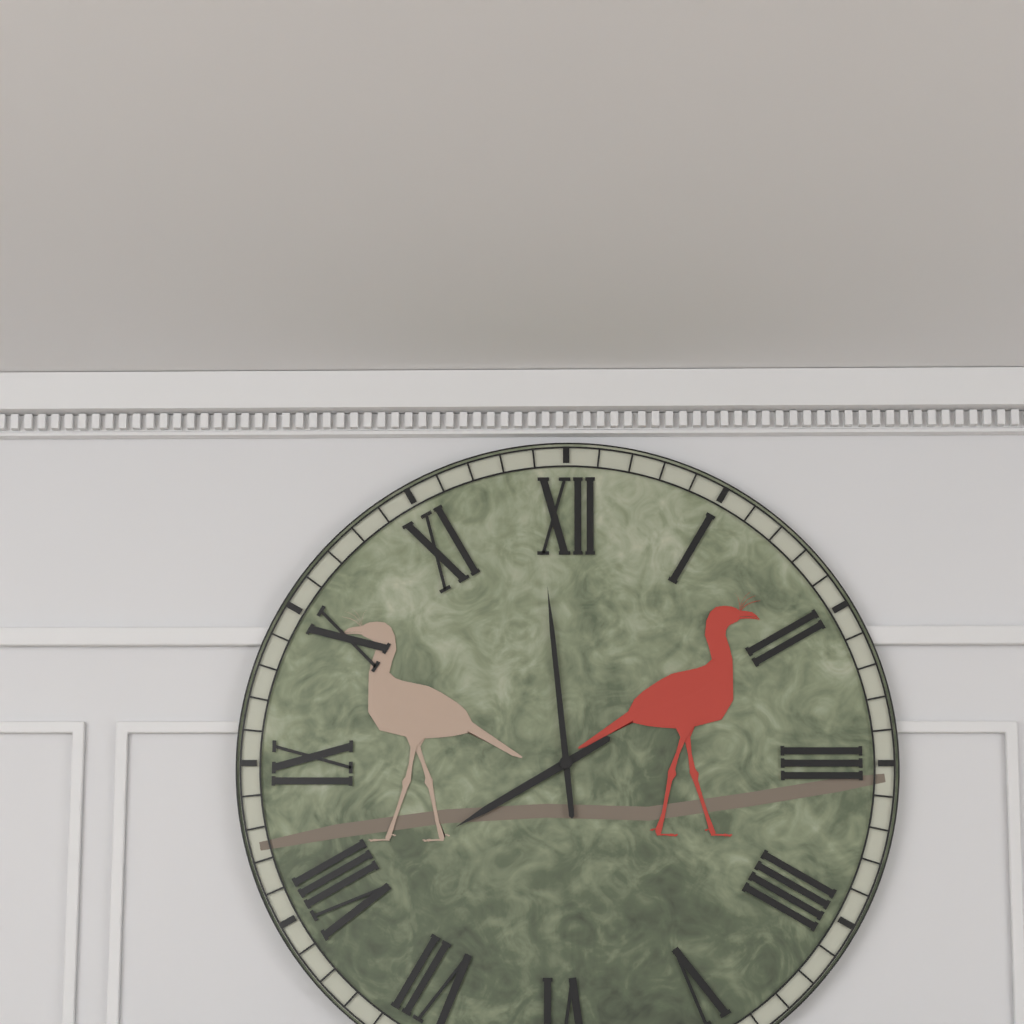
7:59
